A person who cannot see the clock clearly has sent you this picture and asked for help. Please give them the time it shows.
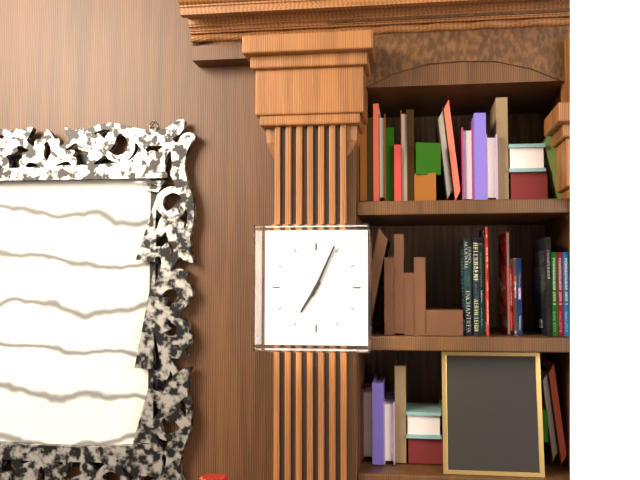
7:04
